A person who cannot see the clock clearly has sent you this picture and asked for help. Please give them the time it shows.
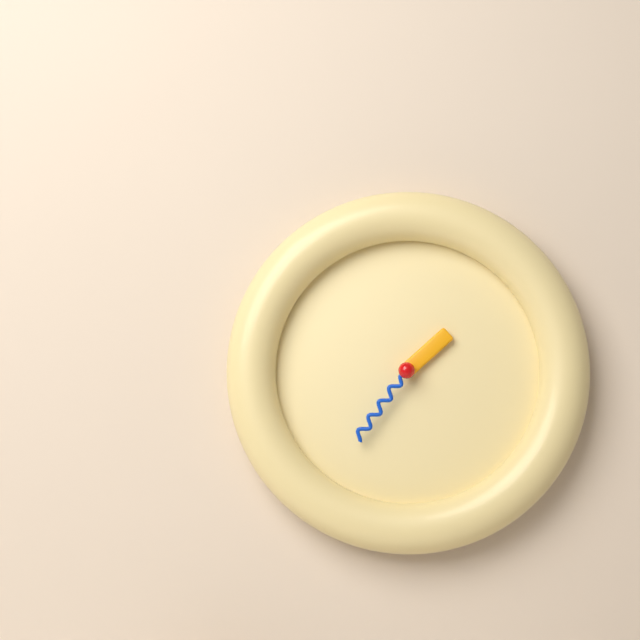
1:36
